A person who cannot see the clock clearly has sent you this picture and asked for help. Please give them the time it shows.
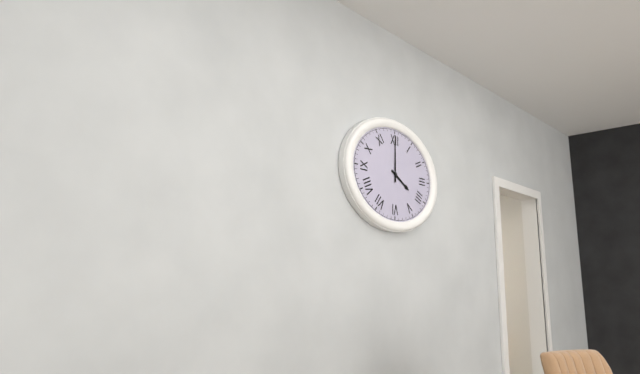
4:00
